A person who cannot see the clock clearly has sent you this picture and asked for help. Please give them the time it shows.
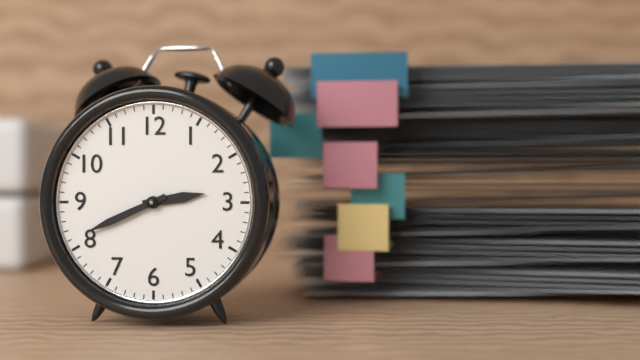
2:41
